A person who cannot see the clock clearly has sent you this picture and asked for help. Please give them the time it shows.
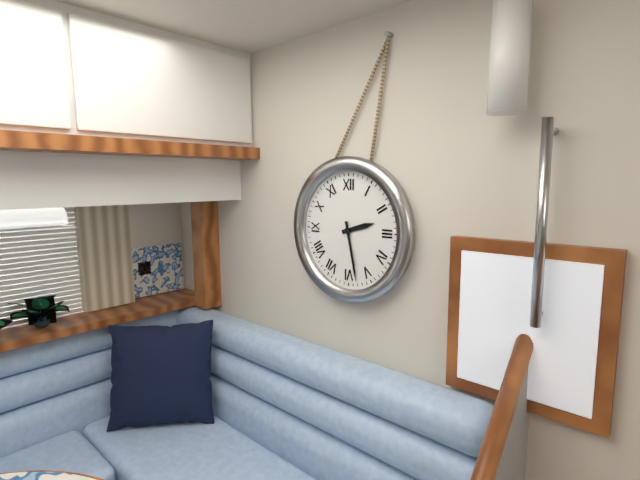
2:28
